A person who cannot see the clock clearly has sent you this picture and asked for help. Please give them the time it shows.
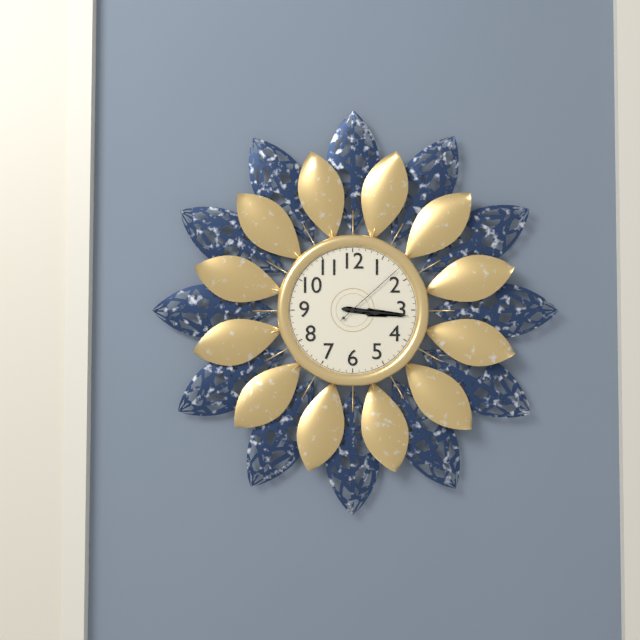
3:16:08
